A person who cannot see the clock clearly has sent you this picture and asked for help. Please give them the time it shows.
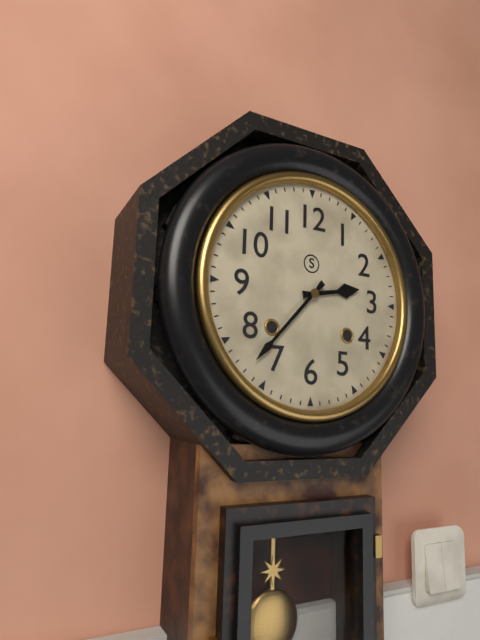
2:37
